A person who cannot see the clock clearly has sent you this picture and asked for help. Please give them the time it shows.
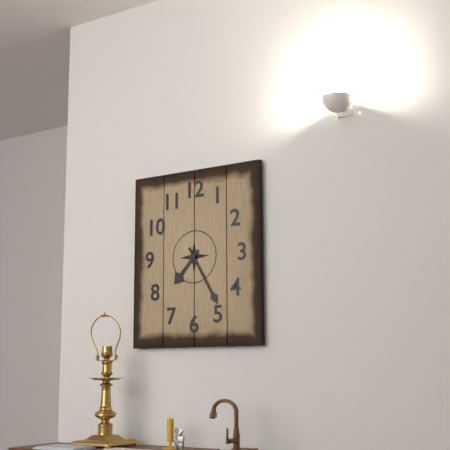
7:25
